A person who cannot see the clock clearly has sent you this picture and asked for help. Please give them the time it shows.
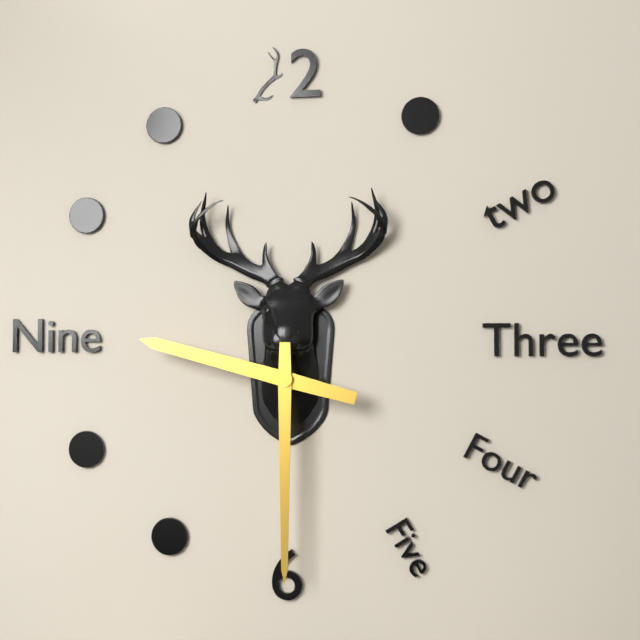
9:30
